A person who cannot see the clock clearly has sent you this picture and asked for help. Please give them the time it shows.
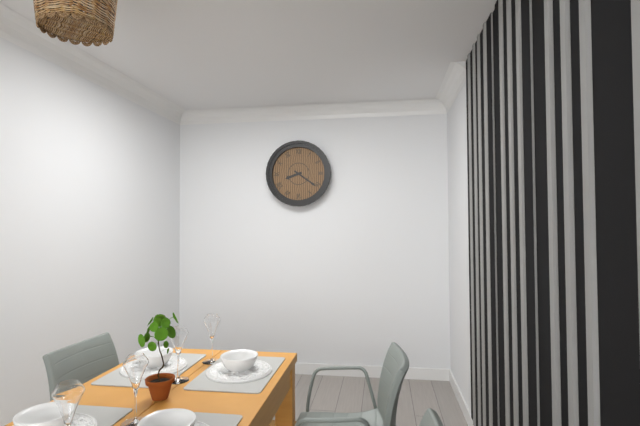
8:21
